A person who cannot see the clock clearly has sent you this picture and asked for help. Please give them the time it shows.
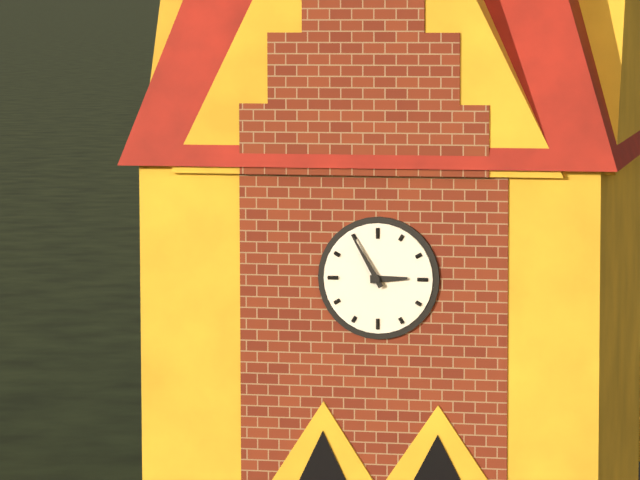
2:55
